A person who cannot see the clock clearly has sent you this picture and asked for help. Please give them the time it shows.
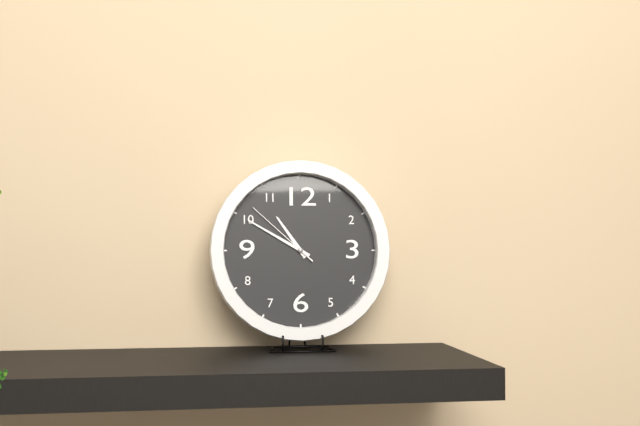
10:50:52
